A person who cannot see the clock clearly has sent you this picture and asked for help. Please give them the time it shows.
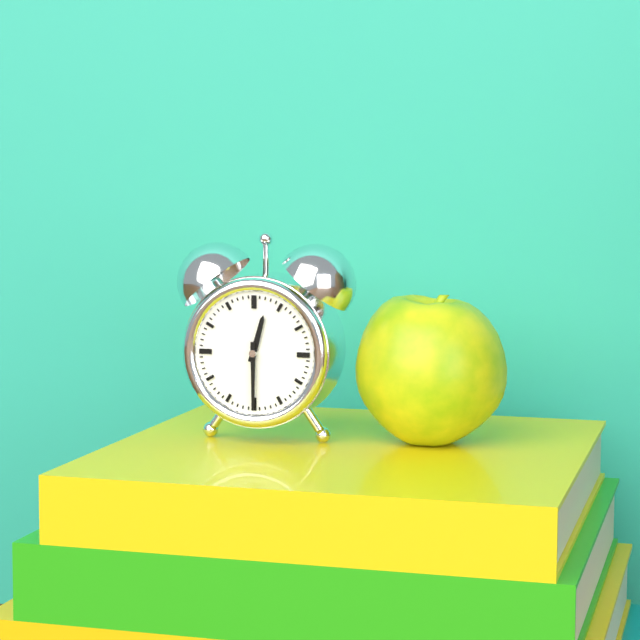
12:30
